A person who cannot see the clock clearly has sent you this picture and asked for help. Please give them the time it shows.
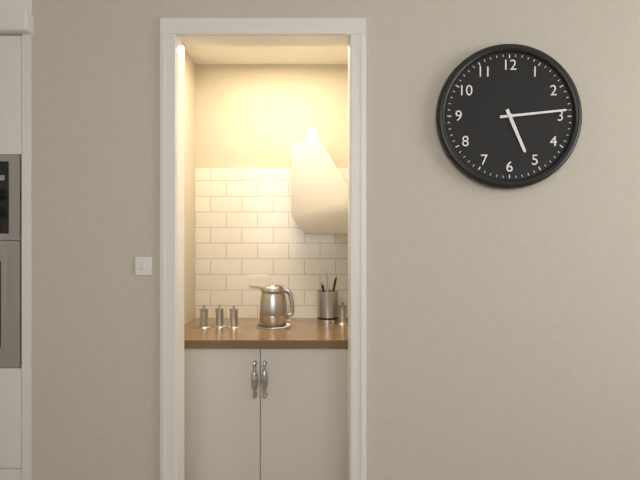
5:14
